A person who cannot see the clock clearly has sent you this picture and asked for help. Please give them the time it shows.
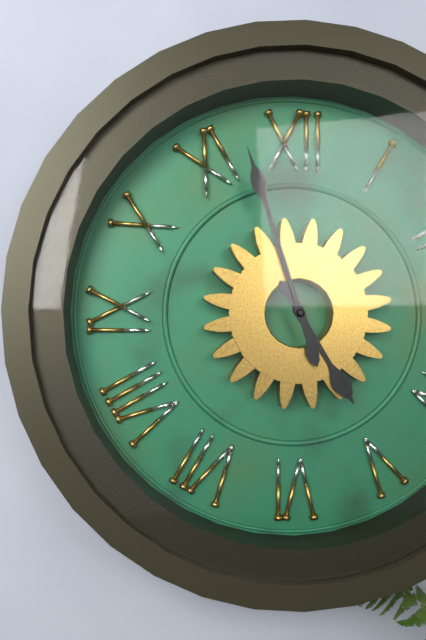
4:57
